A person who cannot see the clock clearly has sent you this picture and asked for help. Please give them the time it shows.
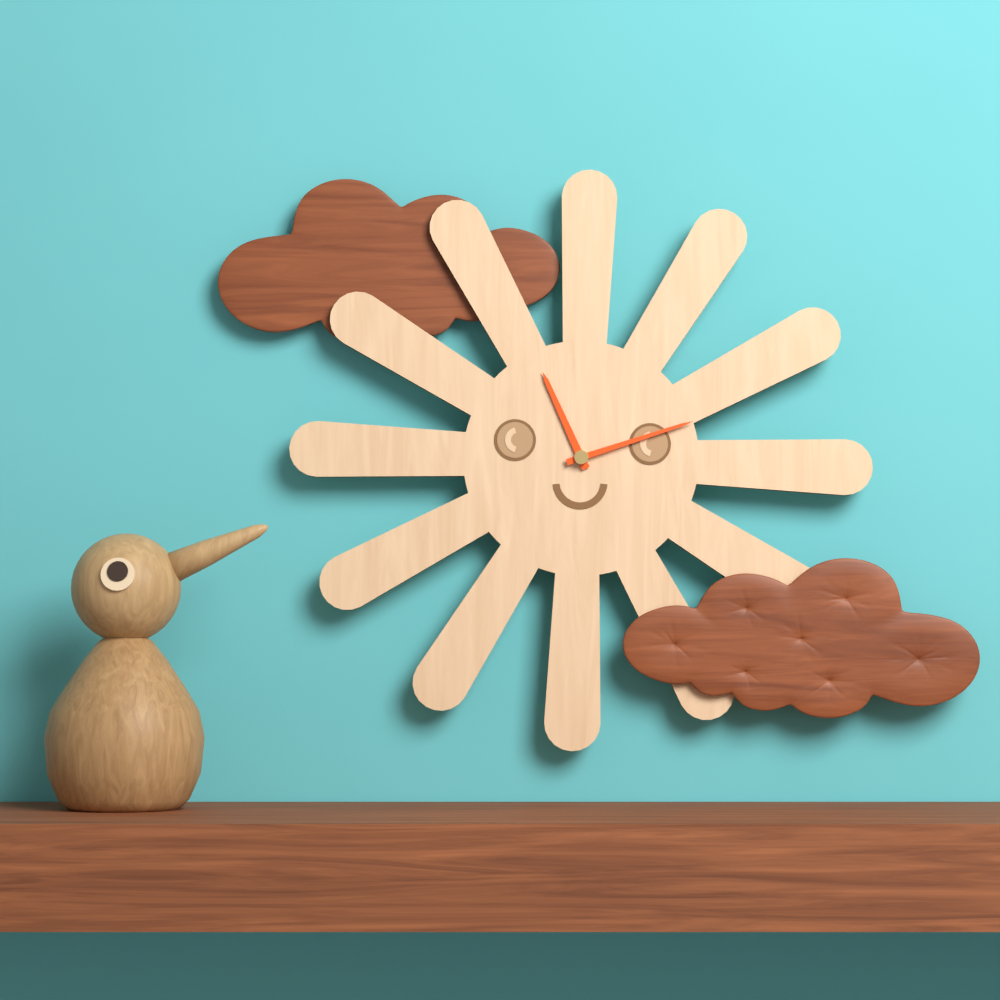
11:12
